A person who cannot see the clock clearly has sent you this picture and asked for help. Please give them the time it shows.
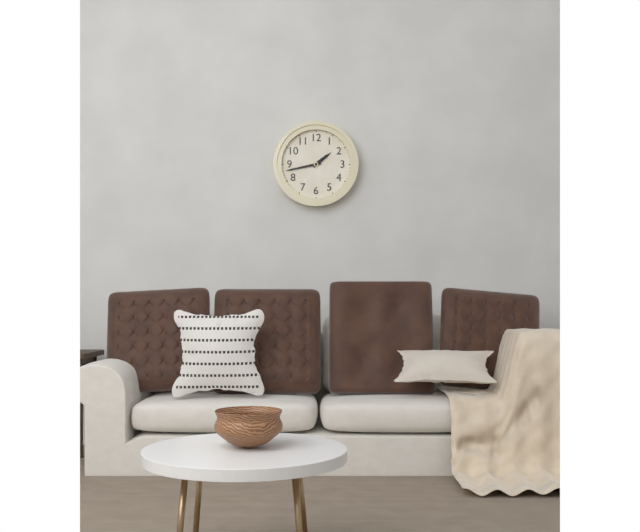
1:43
